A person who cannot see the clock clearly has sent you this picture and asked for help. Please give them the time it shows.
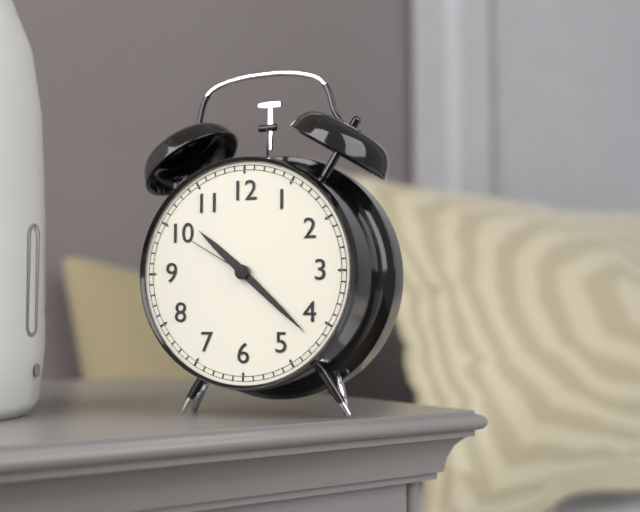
10:22:50
